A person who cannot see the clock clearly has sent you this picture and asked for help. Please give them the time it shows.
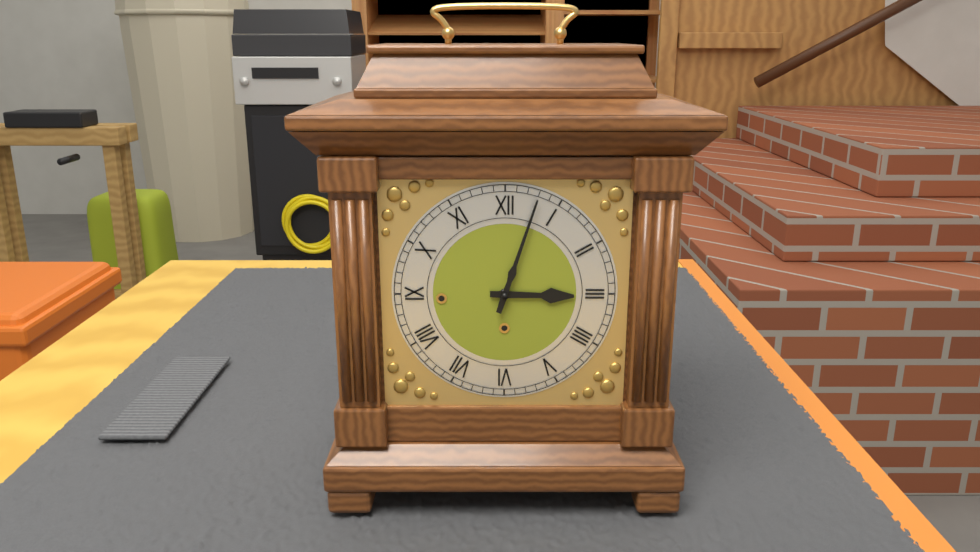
3:03
